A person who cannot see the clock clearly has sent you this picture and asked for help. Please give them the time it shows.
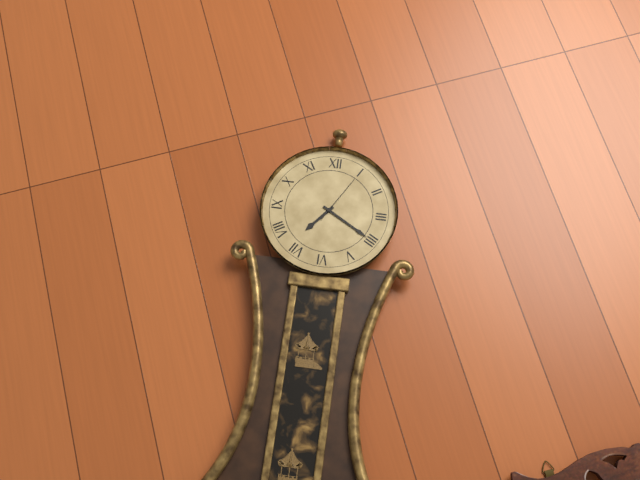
7:20:05
